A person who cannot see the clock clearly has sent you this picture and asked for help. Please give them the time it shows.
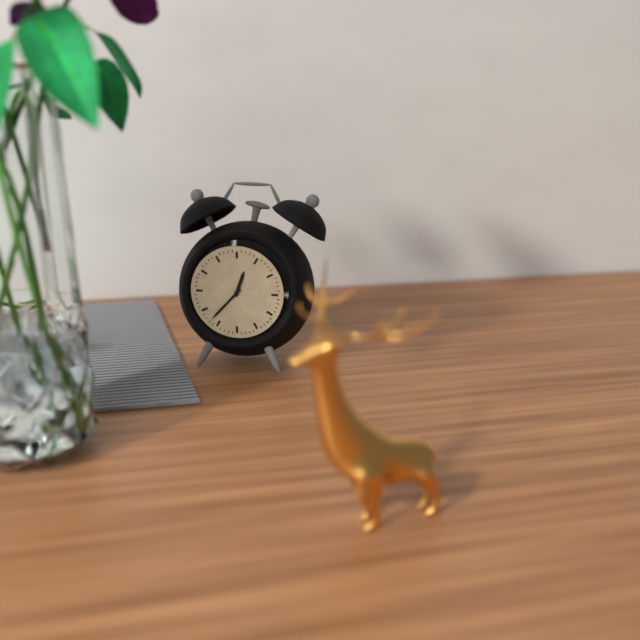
12:37
